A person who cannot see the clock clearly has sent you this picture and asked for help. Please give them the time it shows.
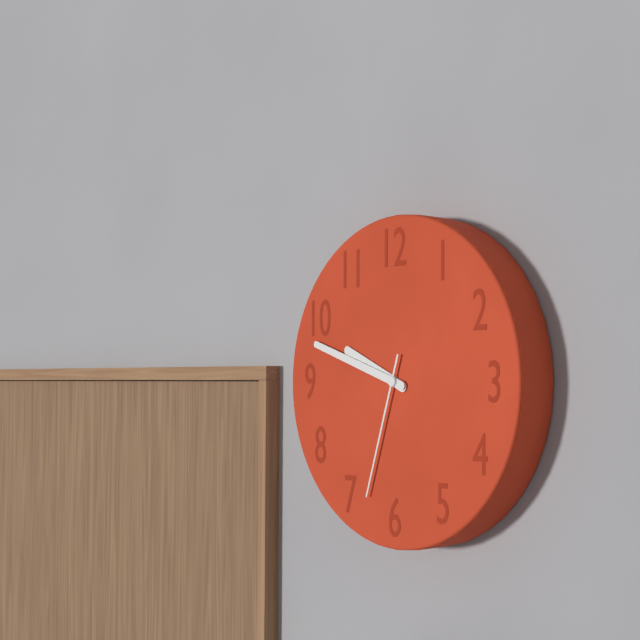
9:48:33
